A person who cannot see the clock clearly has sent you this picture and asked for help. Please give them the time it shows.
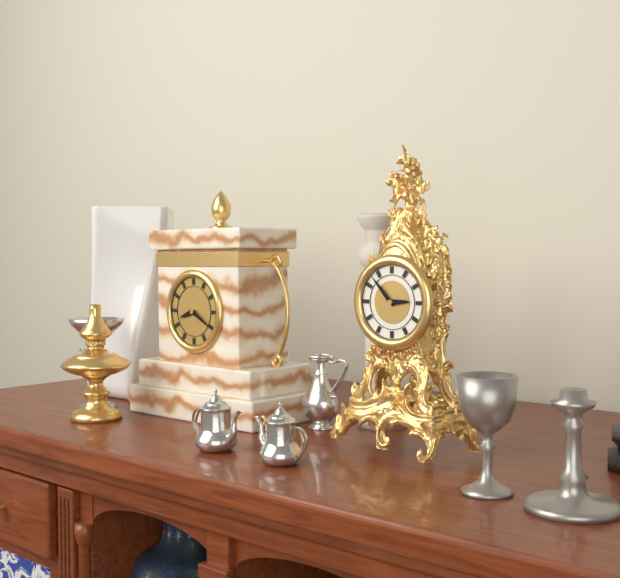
2:53
